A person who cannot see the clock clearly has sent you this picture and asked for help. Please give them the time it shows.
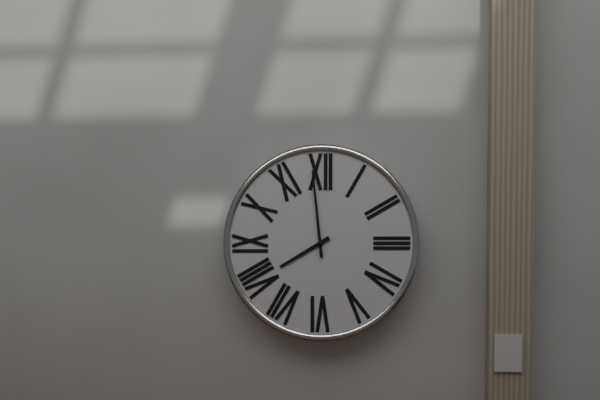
7:59
